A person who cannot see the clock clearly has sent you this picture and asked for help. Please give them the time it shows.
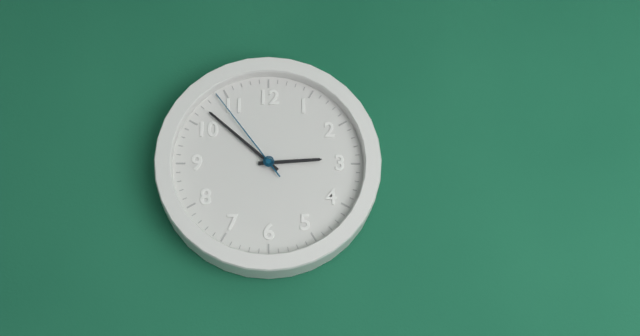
2:52:54
